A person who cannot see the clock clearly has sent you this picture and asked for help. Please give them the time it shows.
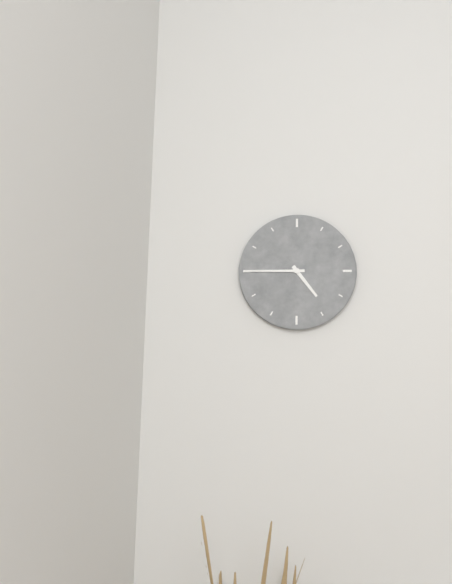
4:45
